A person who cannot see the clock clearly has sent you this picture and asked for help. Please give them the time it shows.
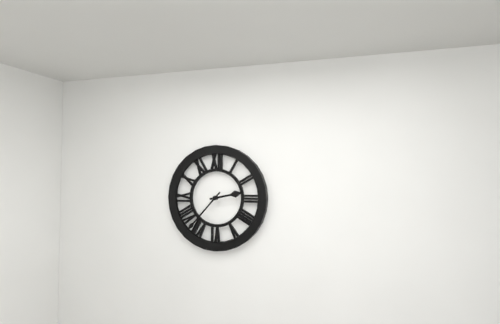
2:37
